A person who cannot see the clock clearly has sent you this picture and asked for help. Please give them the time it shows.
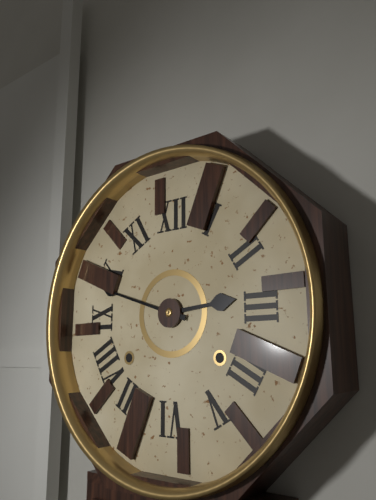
2:48
